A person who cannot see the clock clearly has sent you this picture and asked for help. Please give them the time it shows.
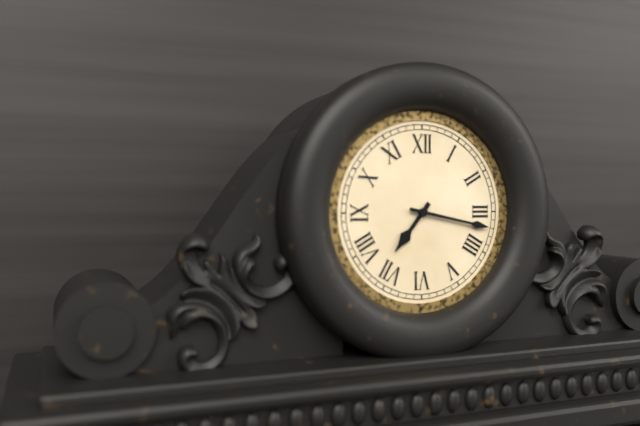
7:17
